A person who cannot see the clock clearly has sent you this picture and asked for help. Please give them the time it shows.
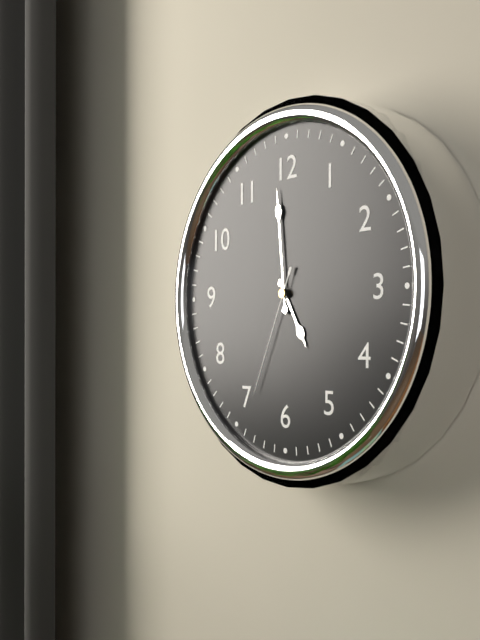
4:59:34
